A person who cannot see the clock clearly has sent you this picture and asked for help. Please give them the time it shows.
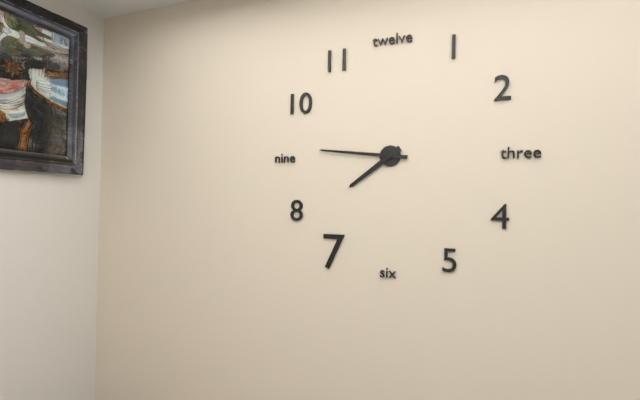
7:46
